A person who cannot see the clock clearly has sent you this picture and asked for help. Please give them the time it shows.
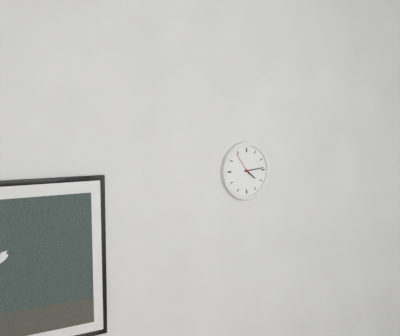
4:14
